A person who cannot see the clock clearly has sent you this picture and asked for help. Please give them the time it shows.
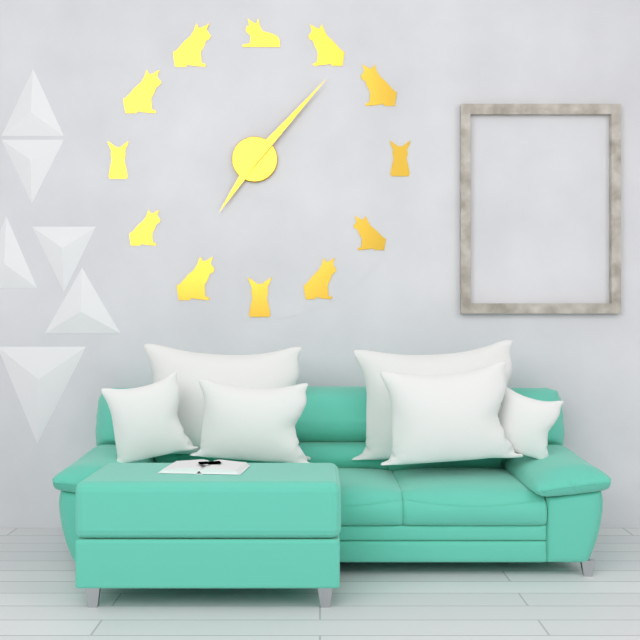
7:07
